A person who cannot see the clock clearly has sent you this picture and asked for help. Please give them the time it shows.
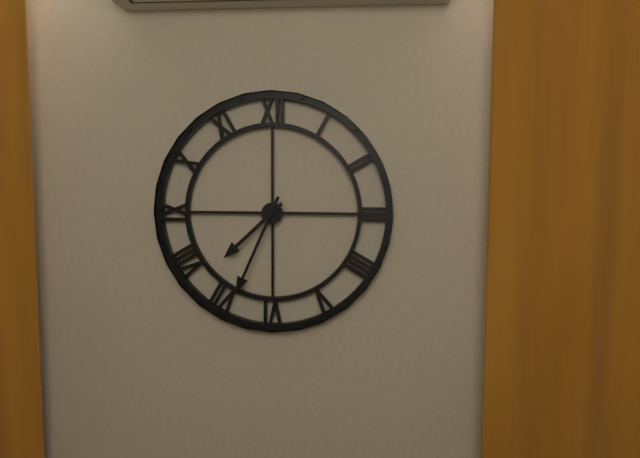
7:34
